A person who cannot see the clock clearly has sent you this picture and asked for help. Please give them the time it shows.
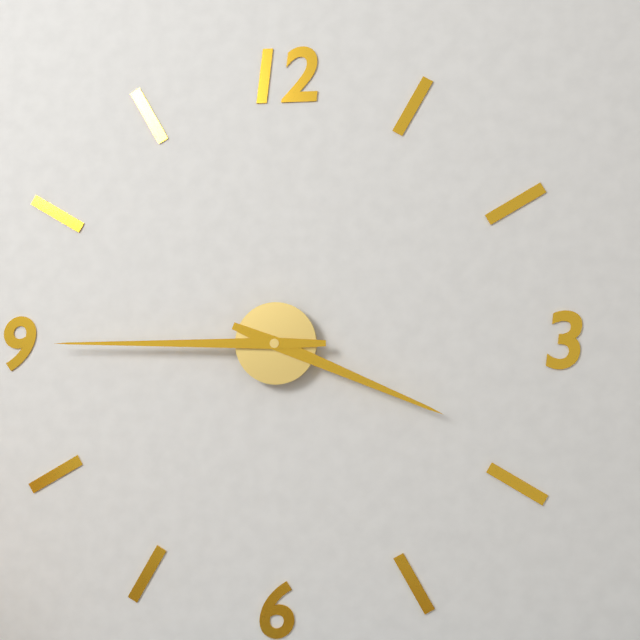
3:45
